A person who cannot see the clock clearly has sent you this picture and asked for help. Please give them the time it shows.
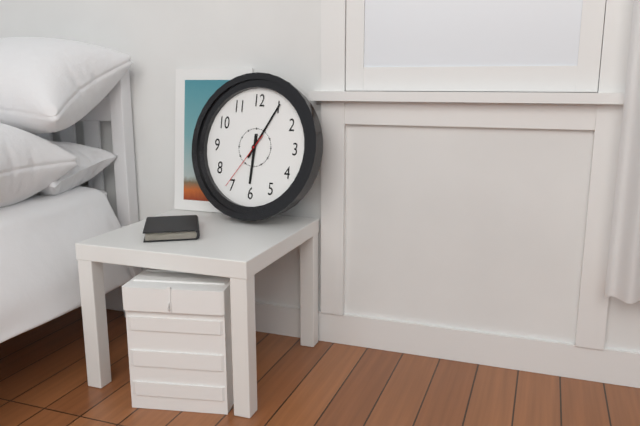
6:05:36
